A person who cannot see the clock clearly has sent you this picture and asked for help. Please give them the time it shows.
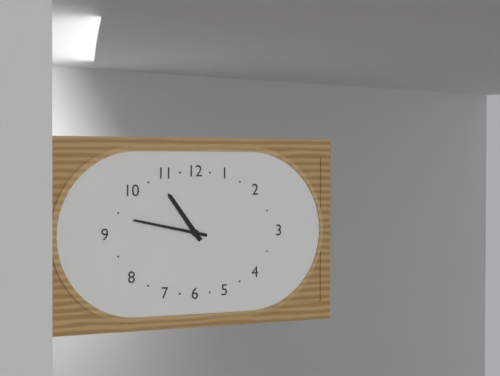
10:47
